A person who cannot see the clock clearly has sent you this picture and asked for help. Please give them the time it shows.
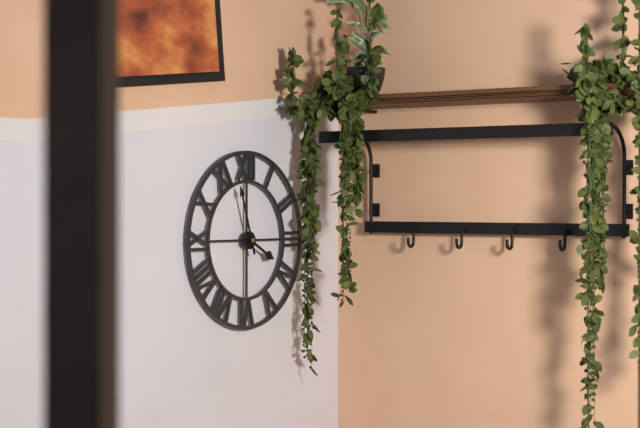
3:57
